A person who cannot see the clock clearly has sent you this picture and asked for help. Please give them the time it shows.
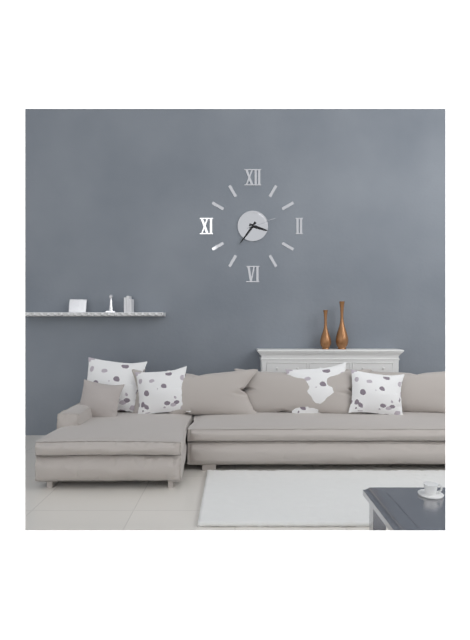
3:36
